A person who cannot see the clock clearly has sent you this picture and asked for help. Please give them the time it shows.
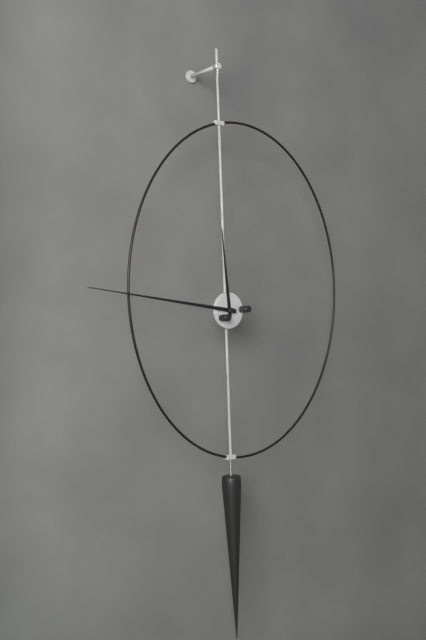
11:46
